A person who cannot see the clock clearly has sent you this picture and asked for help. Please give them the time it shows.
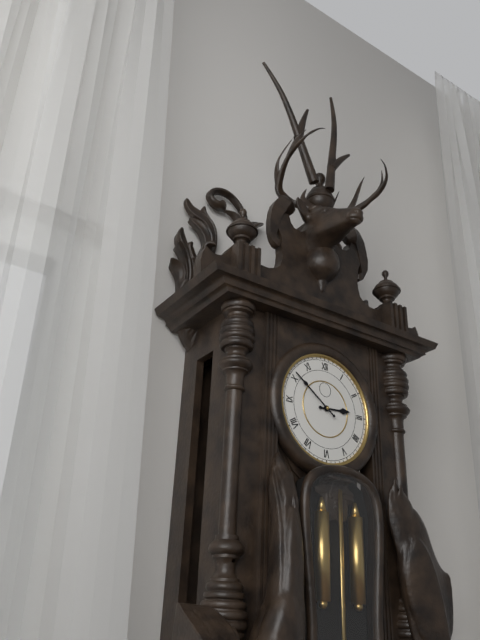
2:51
